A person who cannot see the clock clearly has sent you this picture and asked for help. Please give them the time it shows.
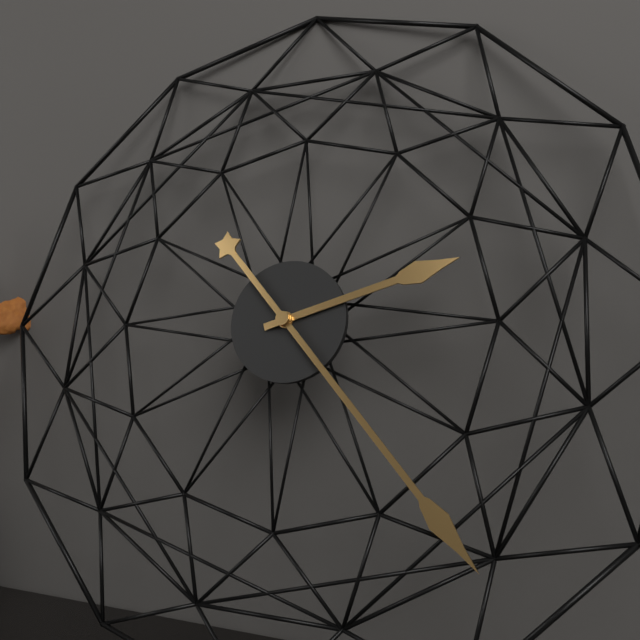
2:23
